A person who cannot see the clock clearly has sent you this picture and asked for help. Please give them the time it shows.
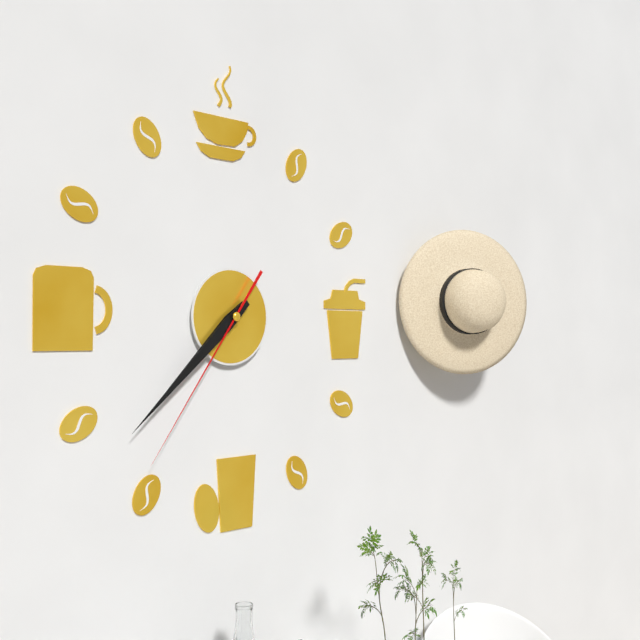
7:38:36
